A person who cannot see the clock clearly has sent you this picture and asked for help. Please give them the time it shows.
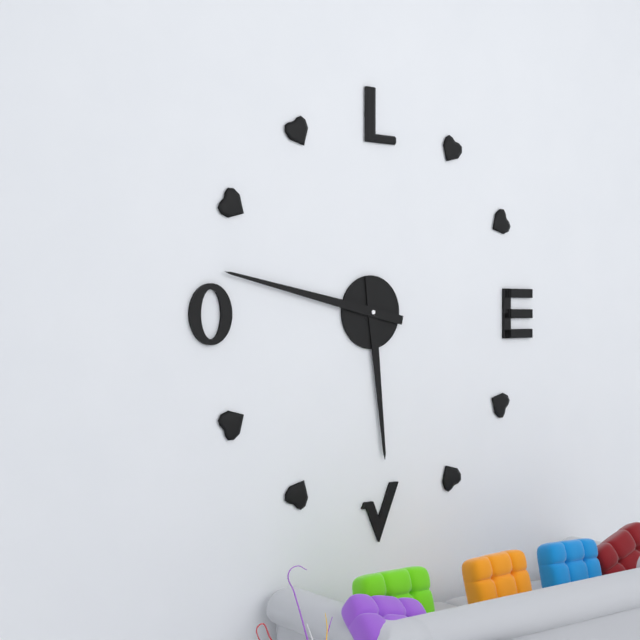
5:47
